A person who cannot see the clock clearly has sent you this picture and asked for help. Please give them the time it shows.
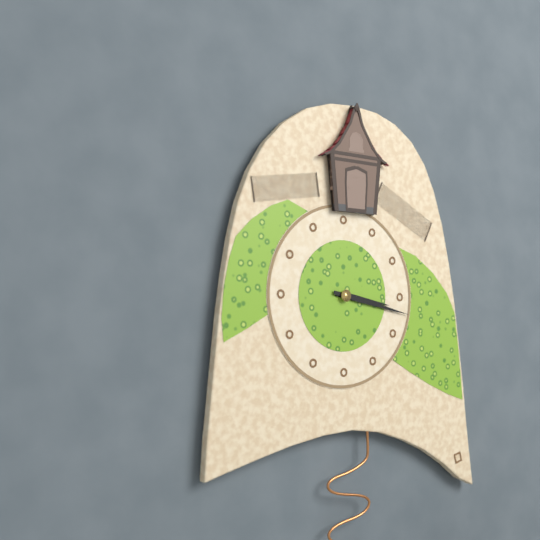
3:17
